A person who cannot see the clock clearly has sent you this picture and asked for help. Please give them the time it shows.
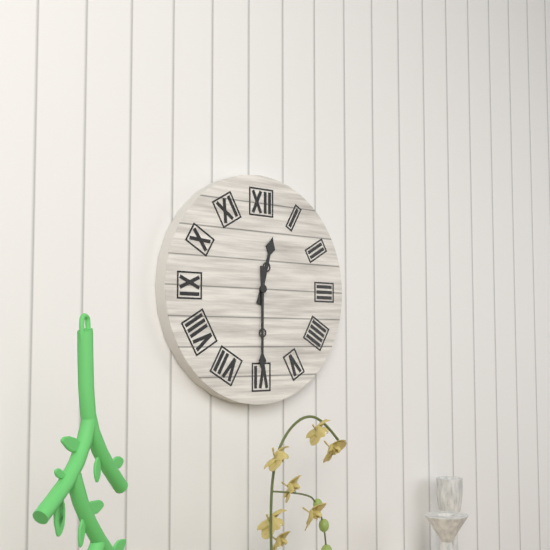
12:30
